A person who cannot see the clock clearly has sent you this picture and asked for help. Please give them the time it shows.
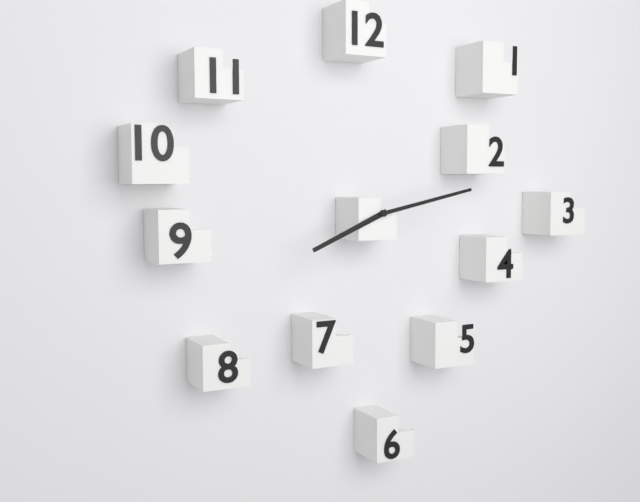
8:13
